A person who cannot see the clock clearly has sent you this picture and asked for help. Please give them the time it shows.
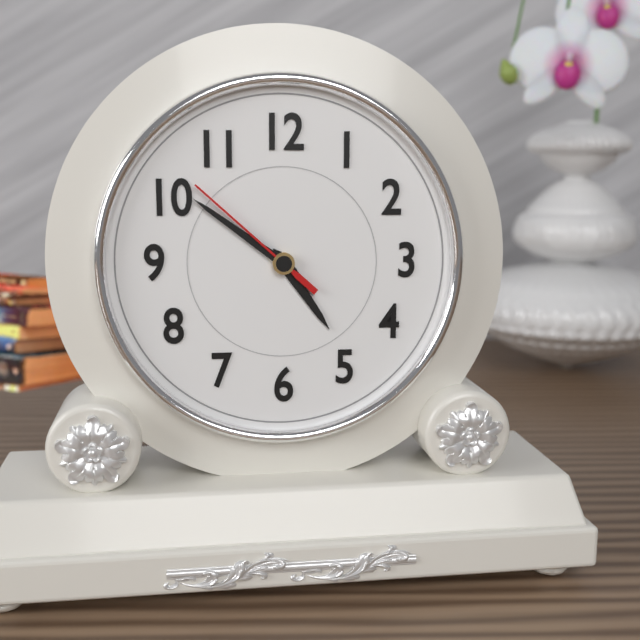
4:51:52
